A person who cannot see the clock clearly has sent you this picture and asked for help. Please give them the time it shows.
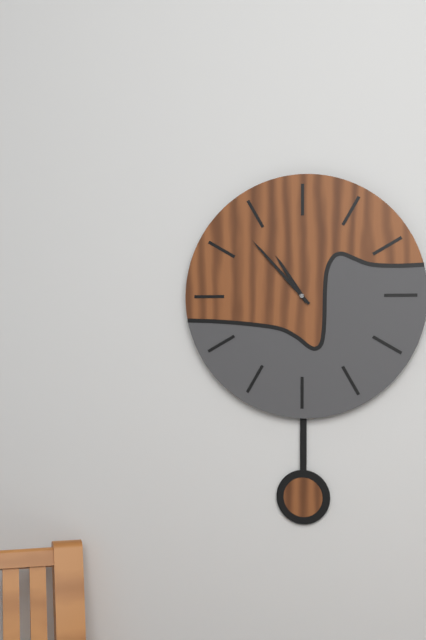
10:53
